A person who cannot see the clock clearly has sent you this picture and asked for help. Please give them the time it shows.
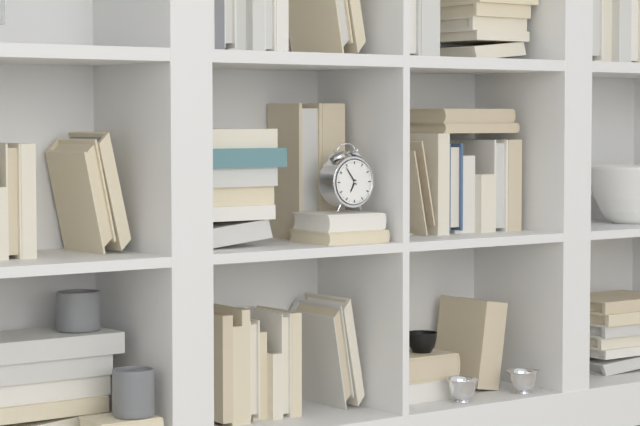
6:54
